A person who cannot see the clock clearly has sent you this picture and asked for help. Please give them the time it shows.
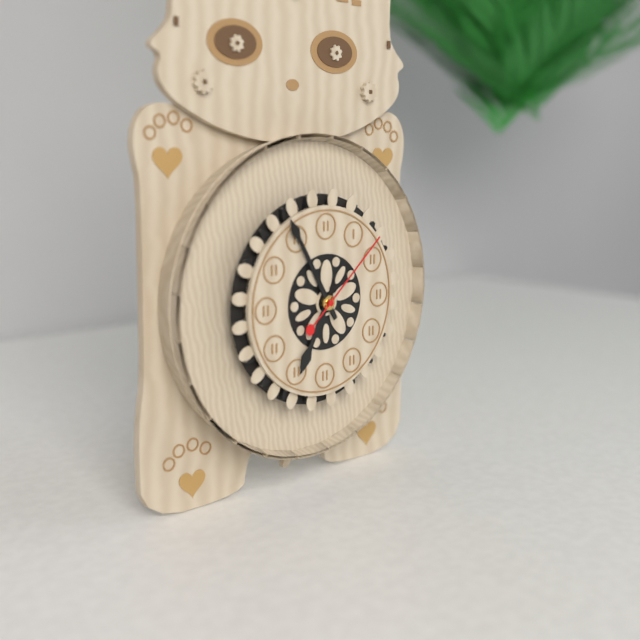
6:55:08
